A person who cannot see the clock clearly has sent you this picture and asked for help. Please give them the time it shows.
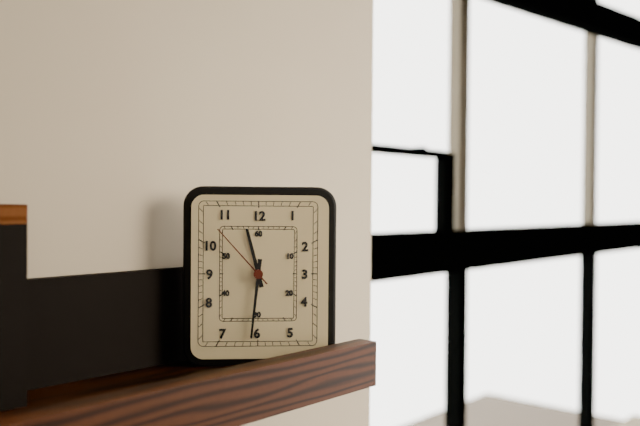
11:31:53
